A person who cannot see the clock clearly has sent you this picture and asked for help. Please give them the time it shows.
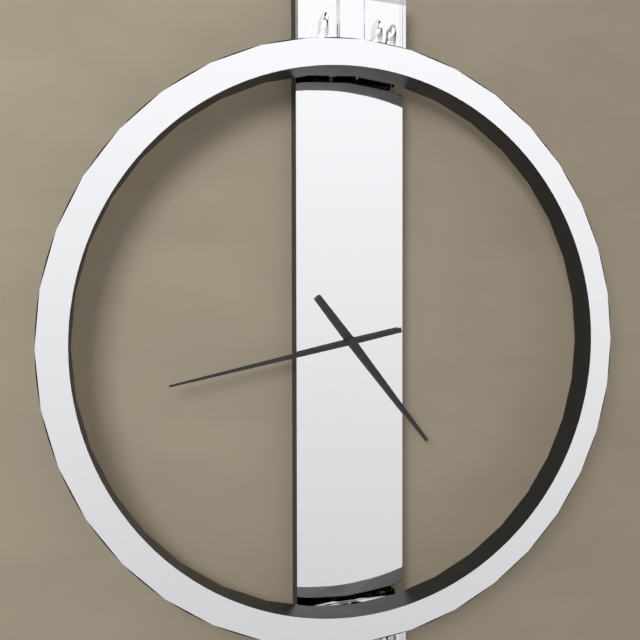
4:43
